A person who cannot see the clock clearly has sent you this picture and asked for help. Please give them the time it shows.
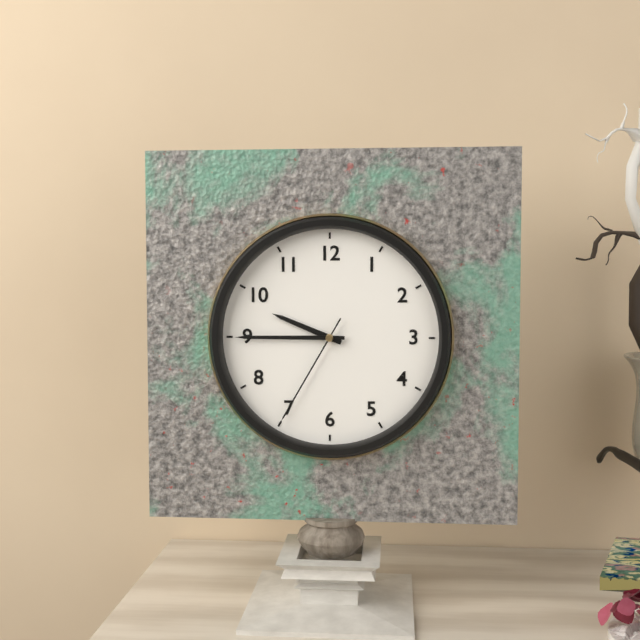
9:45:35
